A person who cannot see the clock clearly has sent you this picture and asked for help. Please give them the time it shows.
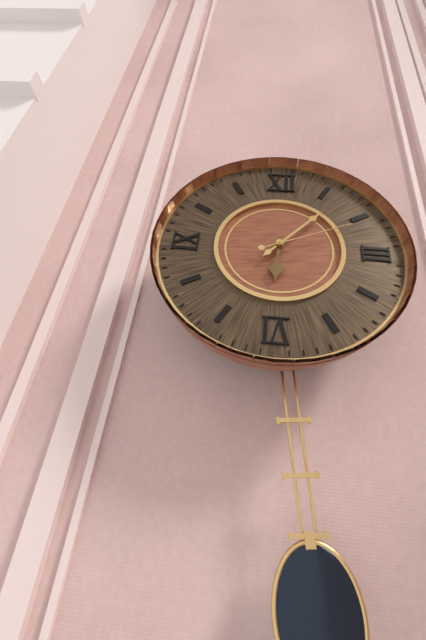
6:07:11
